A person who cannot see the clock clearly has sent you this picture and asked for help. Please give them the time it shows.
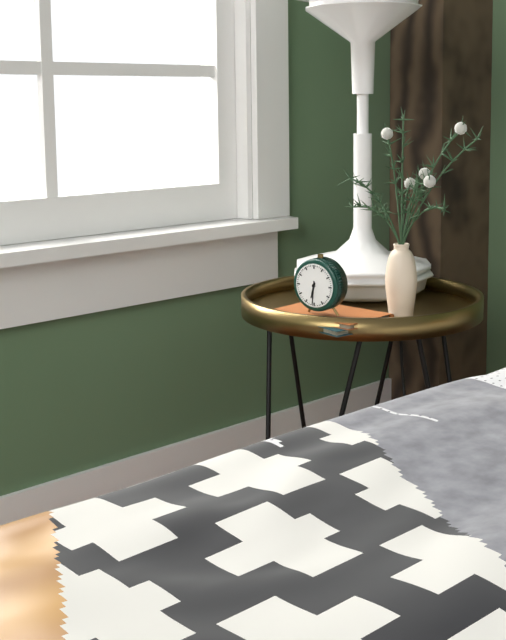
6:31
